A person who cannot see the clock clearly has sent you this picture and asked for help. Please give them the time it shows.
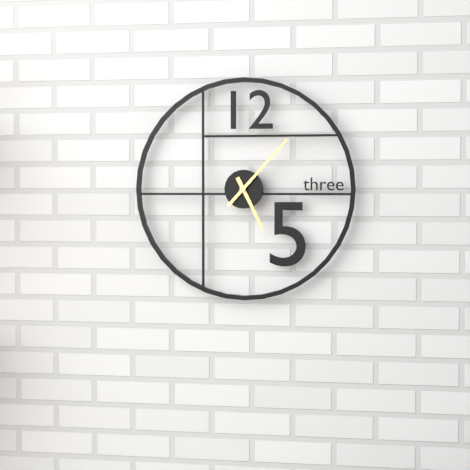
5:07
